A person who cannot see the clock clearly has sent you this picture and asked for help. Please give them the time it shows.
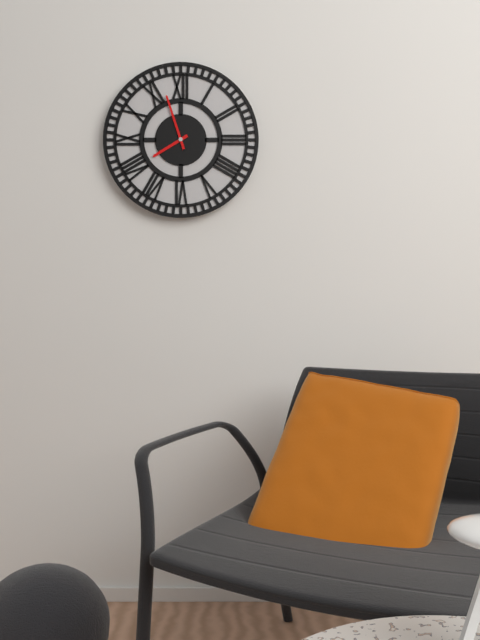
7:57
